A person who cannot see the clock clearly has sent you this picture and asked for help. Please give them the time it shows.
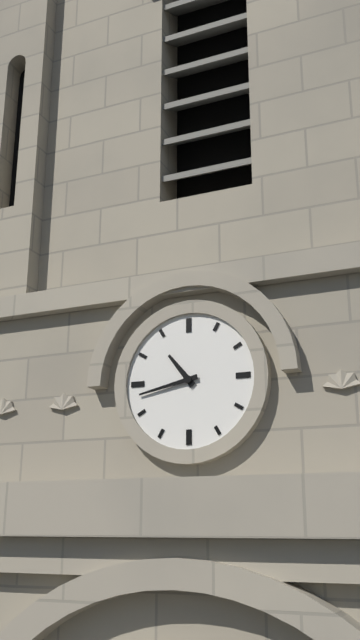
10:43
